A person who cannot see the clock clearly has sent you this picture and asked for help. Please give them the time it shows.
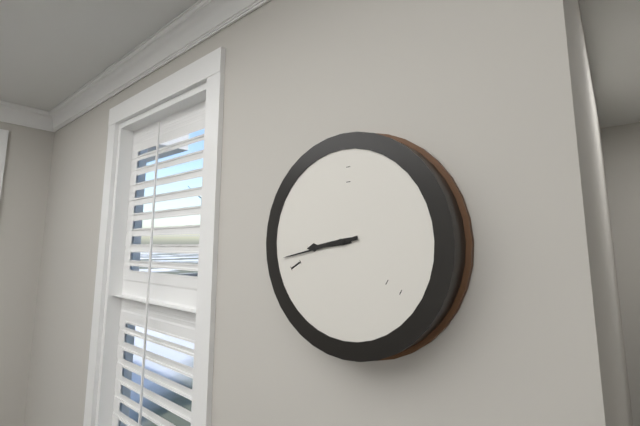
8:43
